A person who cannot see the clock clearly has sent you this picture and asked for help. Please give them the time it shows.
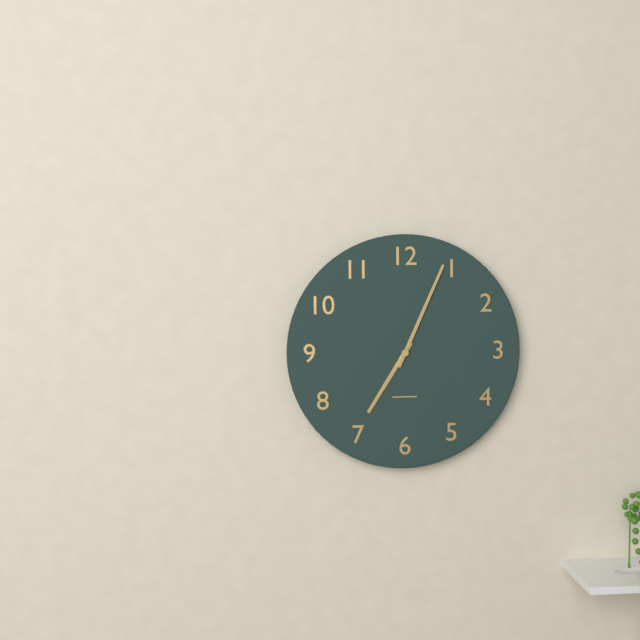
7:04
